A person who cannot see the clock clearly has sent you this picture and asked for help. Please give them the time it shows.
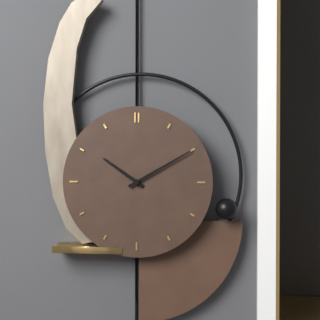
10:10
